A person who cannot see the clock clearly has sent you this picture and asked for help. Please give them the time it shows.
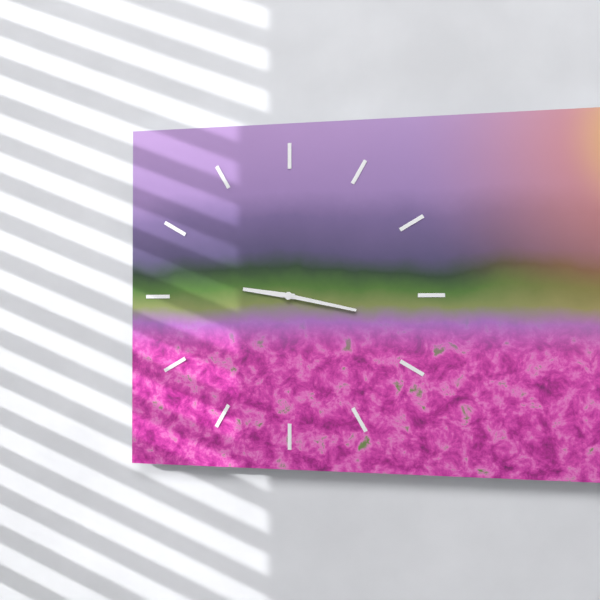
9:17
